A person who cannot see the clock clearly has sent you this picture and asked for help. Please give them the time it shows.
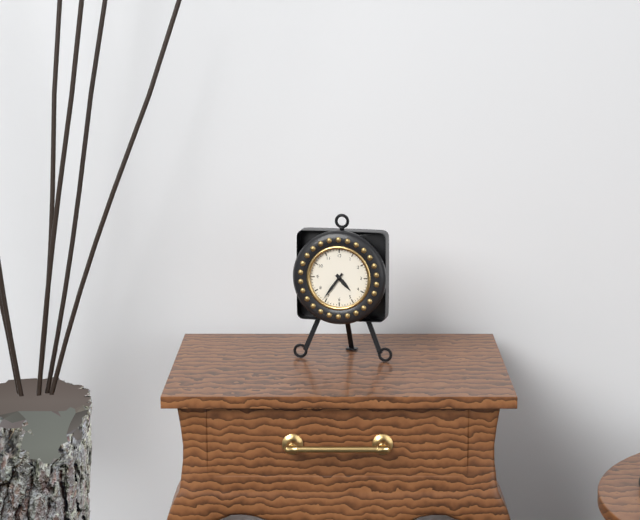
4:36
